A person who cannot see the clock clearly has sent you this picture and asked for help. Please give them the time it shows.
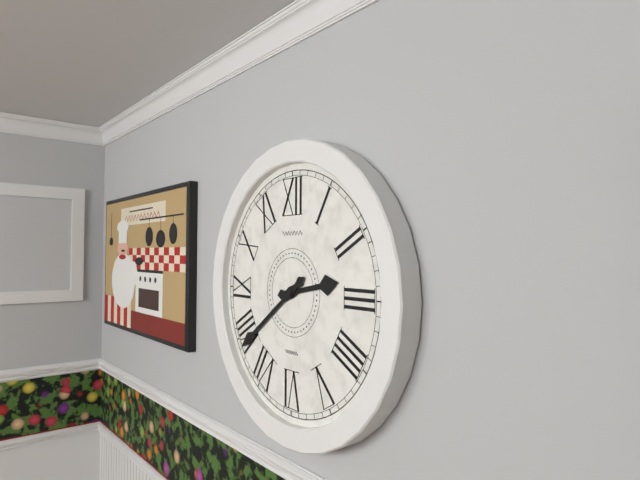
2:39
